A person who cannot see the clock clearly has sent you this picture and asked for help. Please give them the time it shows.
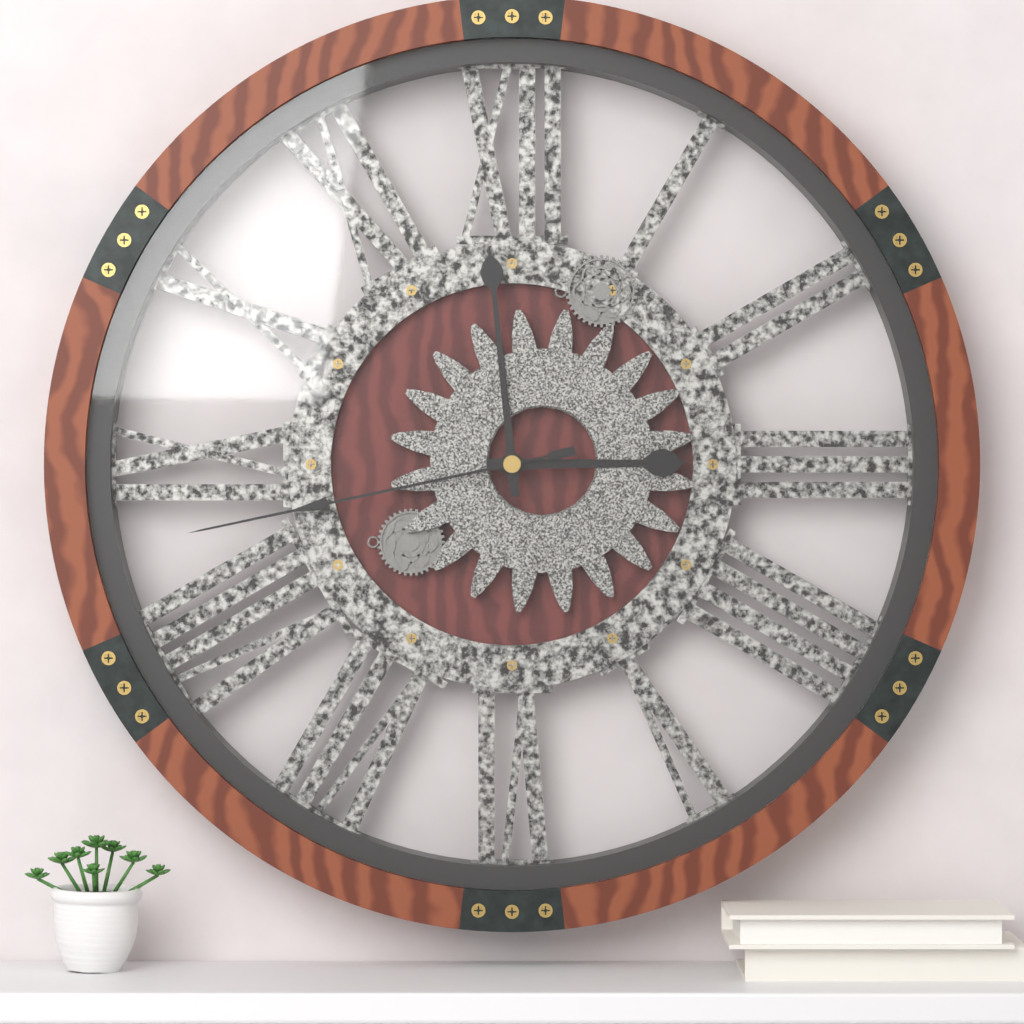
2:59:43
